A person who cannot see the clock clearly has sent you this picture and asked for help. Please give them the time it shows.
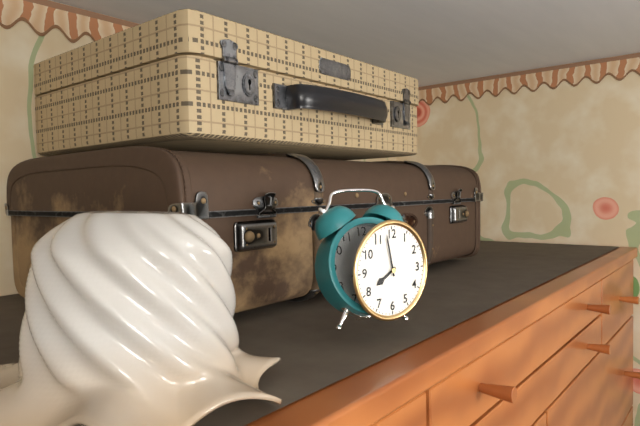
7:58
